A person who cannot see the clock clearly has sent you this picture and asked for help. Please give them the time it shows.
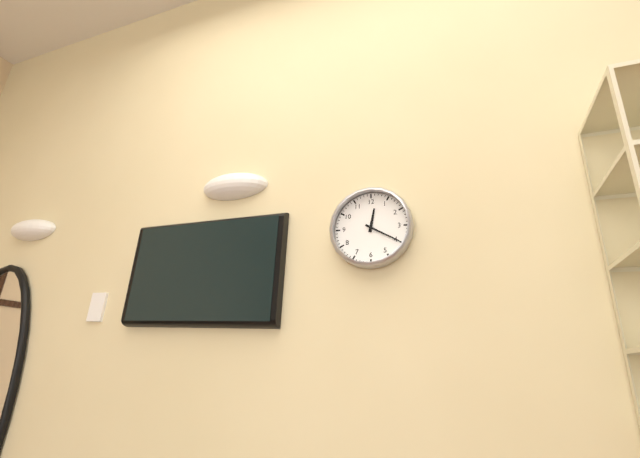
12:20
